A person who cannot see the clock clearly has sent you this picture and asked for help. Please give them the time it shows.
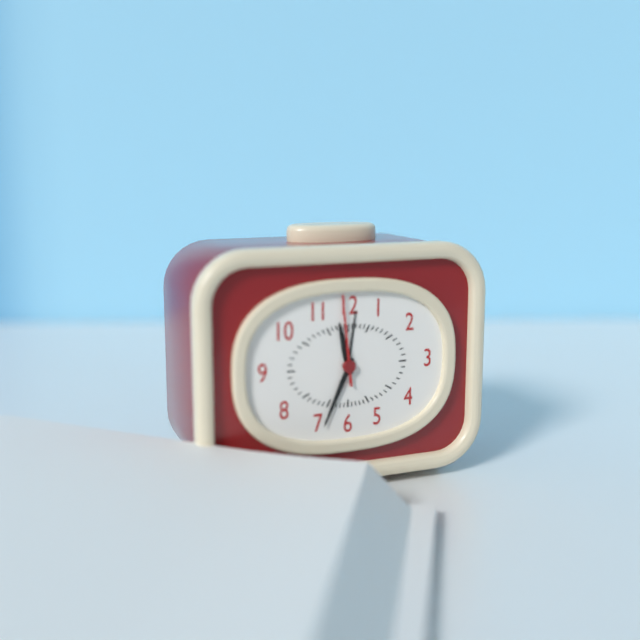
11:34:59
